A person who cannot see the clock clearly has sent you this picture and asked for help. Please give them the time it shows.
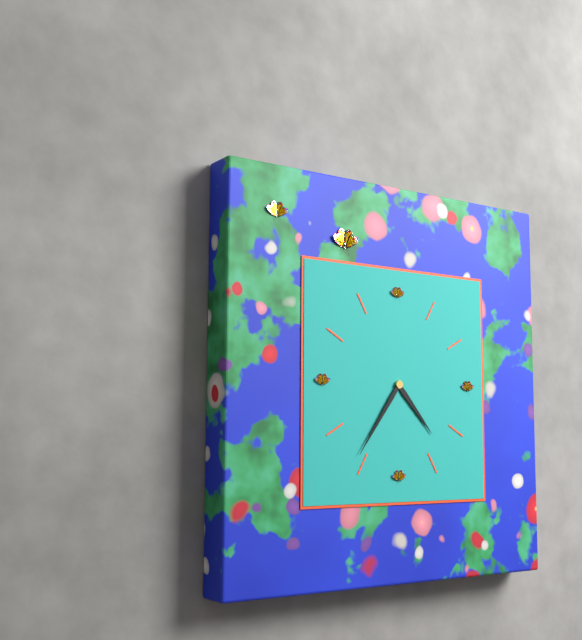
4:36
